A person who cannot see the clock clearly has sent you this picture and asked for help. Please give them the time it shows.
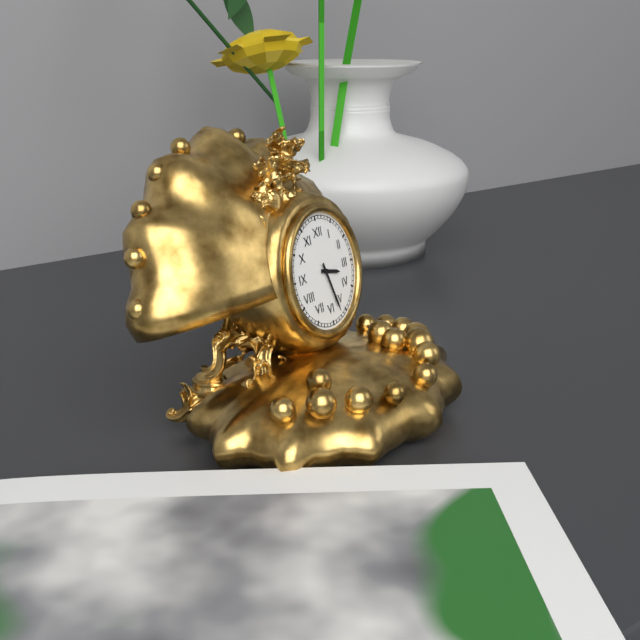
3:27
